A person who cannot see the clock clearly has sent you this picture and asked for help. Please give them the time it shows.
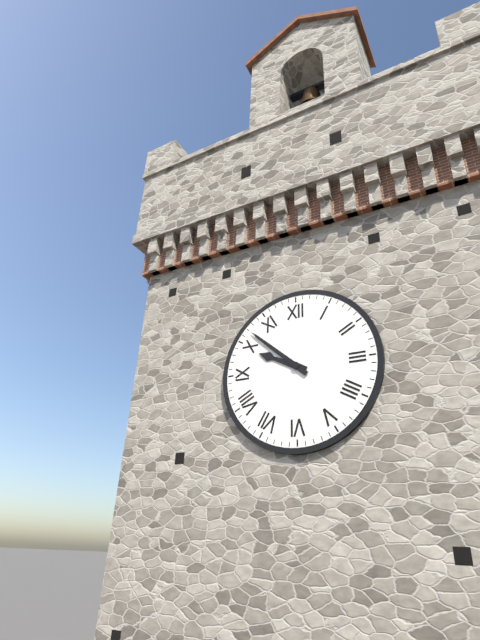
9:52
